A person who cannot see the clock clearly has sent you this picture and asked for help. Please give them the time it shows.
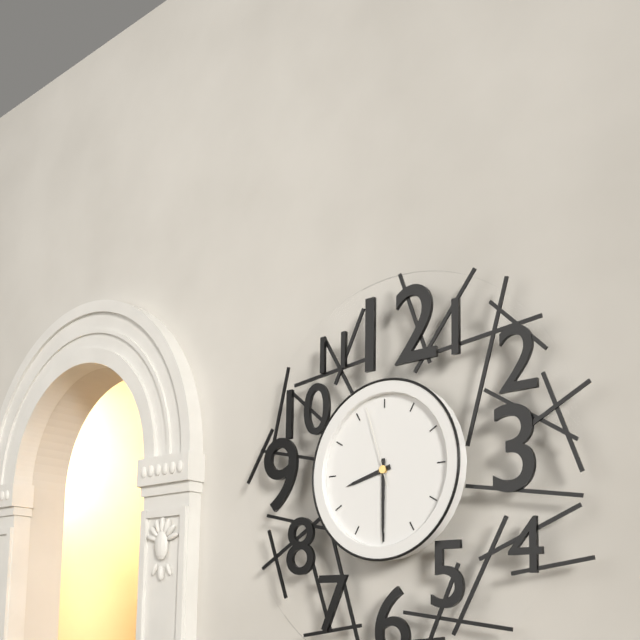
8:30:57
